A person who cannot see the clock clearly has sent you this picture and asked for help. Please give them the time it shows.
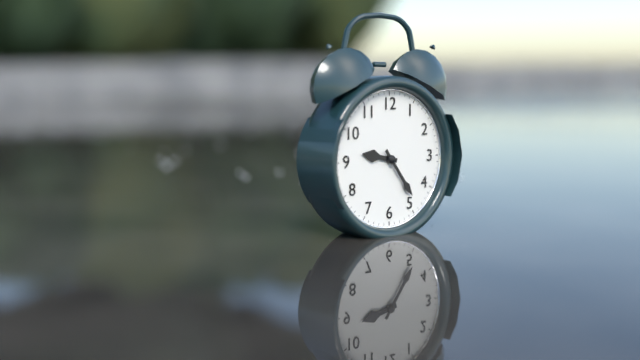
9:24
